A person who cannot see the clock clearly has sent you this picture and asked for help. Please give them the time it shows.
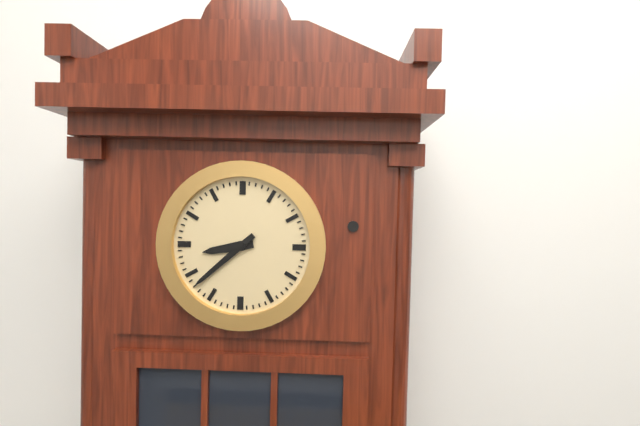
8:38
